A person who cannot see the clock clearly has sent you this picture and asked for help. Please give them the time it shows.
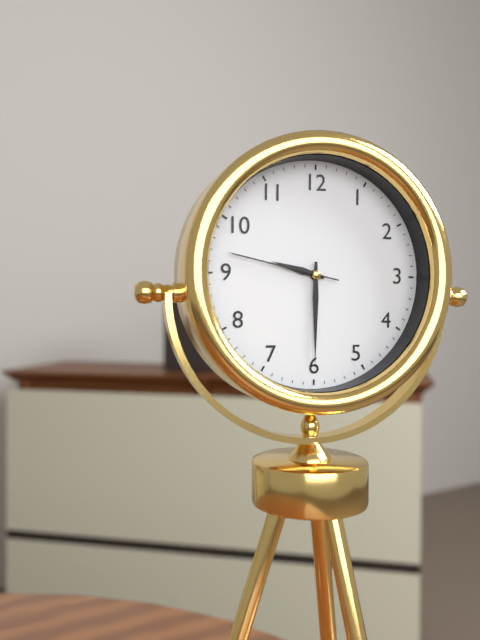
9:30:47
